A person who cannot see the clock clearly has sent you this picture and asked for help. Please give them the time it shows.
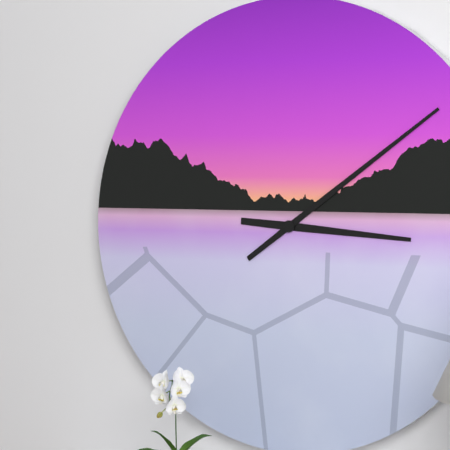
3:09
